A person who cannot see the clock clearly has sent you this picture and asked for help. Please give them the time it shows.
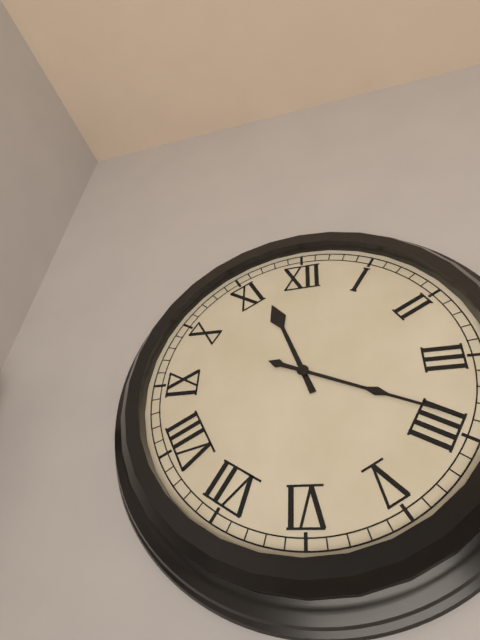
11:19
